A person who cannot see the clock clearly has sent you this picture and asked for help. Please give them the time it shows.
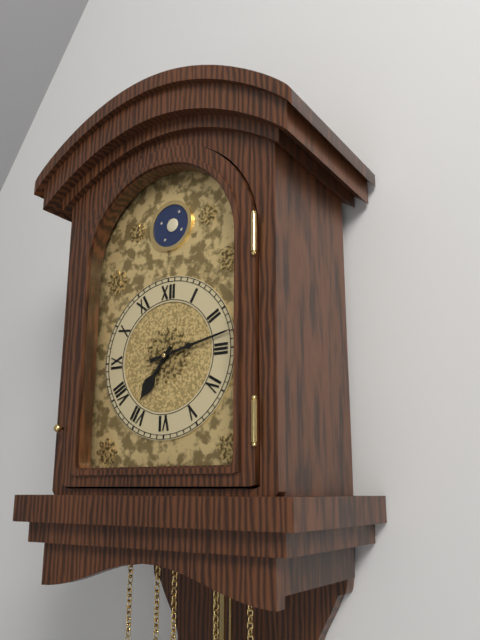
7:13
